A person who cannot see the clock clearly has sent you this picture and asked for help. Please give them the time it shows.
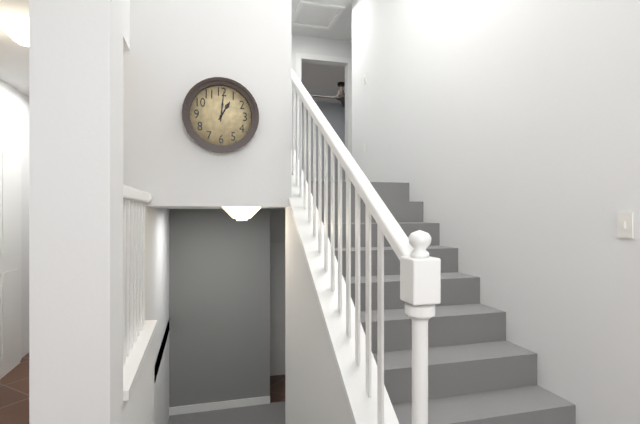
1:01
